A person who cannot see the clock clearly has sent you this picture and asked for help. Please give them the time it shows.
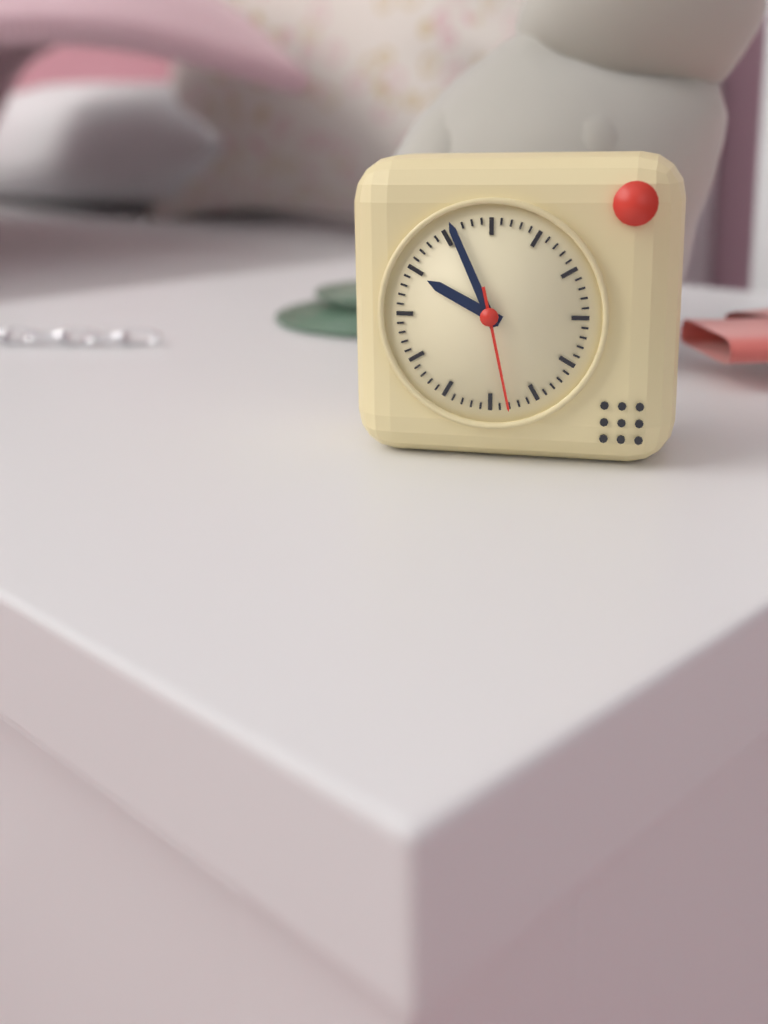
9:56:28
